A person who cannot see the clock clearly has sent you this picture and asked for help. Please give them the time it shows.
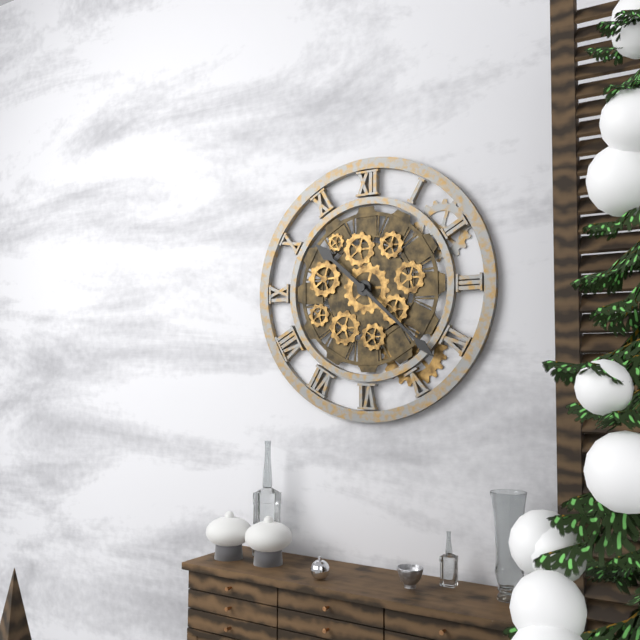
10:22
